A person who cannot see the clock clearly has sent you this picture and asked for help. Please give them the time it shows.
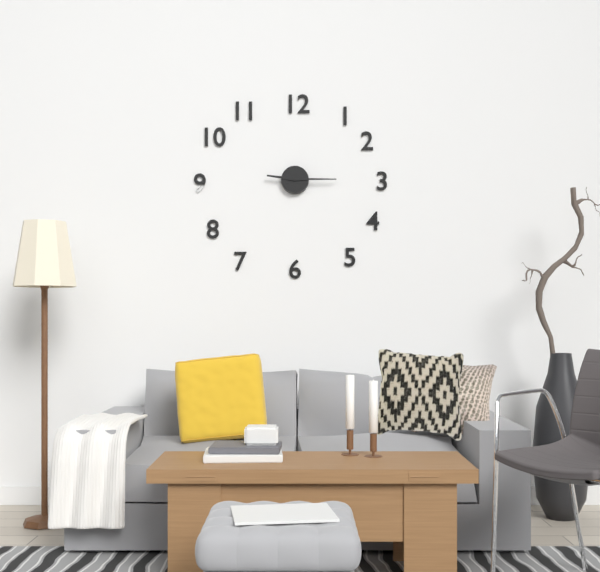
9:15
